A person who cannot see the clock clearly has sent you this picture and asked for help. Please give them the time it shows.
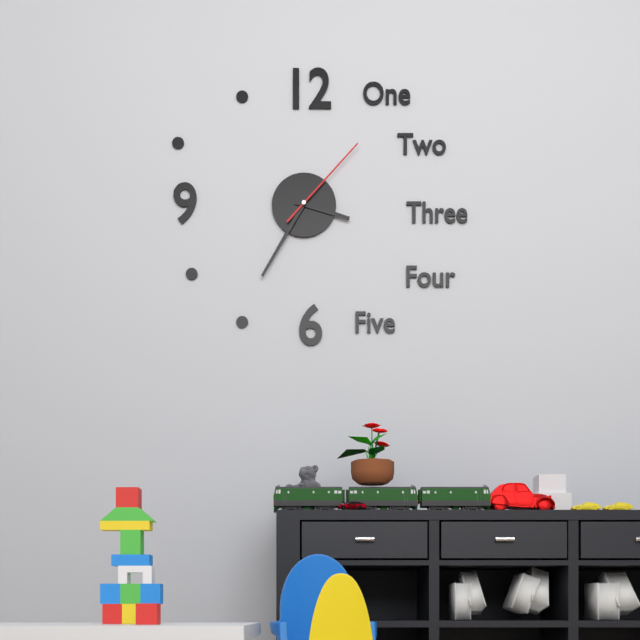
3:35:07
